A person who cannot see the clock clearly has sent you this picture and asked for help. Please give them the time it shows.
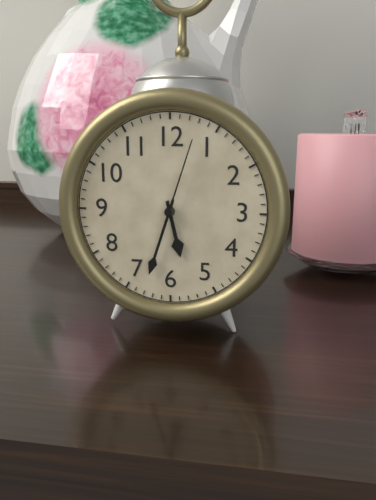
5:33:03
